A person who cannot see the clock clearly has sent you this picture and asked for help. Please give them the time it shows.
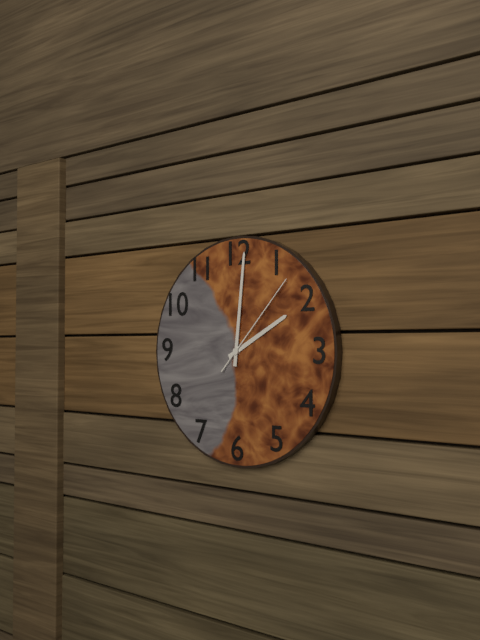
2:01:07
